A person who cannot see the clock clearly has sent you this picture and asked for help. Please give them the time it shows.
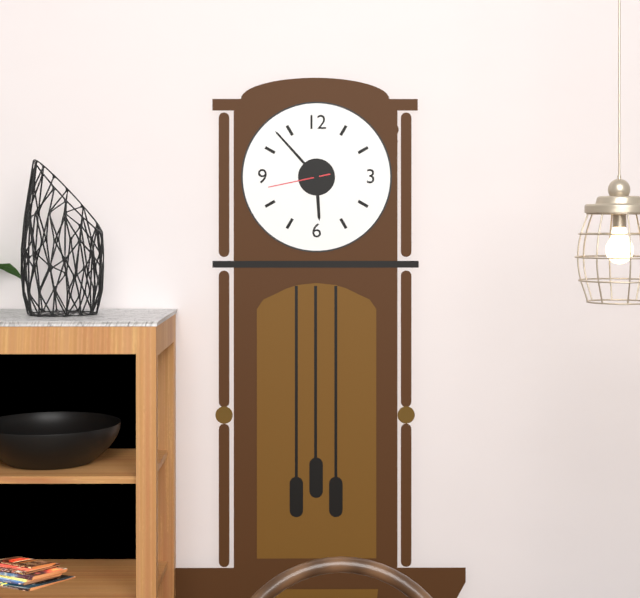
5:53:43
